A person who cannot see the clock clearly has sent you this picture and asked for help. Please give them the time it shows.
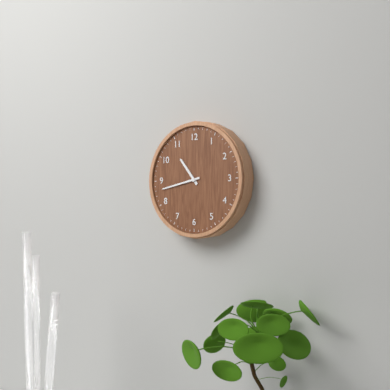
10:43
